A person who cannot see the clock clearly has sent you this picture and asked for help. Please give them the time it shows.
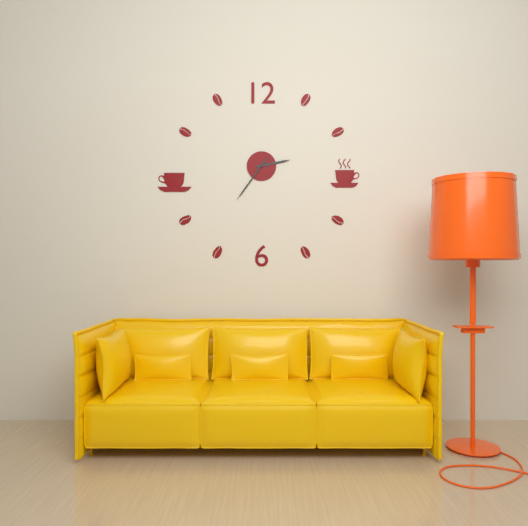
2:36:36
